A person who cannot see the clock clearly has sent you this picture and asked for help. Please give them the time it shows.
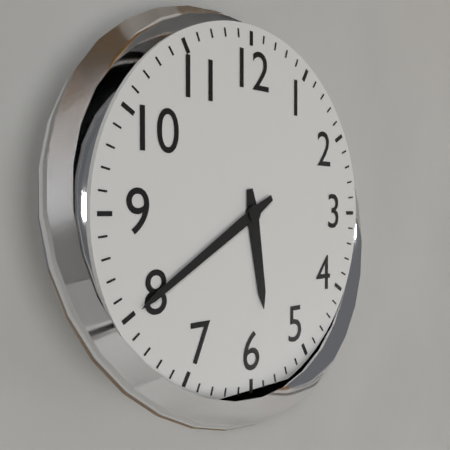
5:40
